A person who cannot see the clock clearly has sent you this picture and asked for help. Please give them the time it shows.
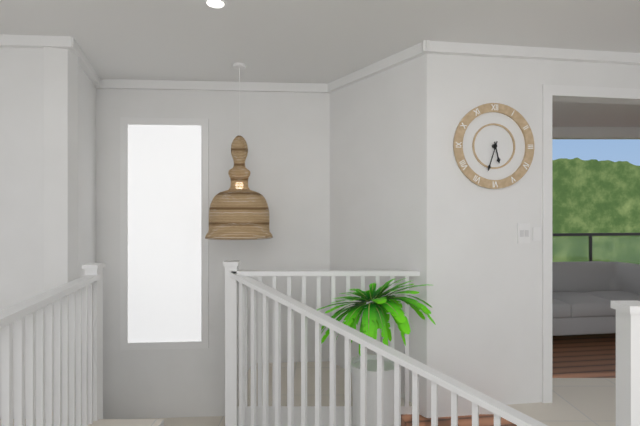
5:33
